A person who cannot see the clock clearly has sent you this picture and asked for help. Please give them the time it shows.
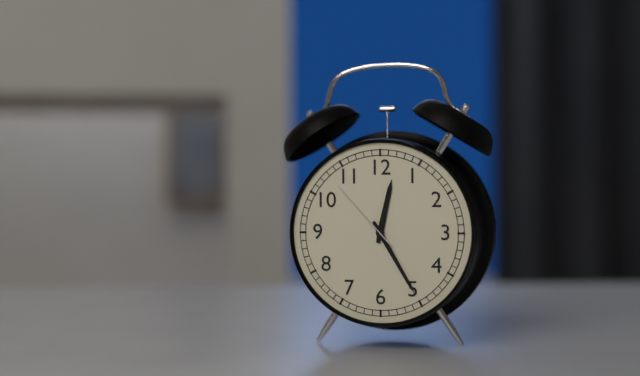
12:25:53
